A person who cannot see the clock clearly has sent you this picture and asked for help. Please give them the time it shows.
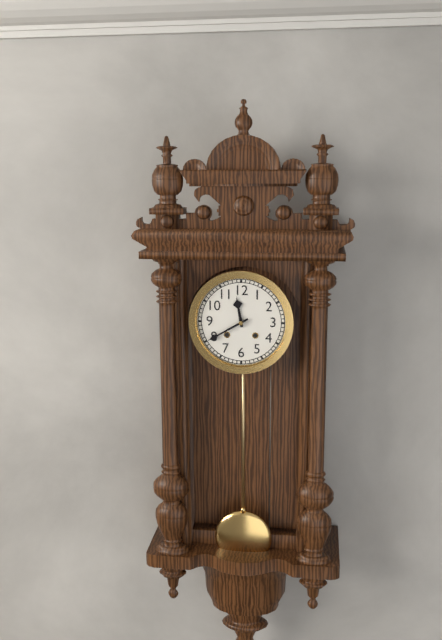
11:40
